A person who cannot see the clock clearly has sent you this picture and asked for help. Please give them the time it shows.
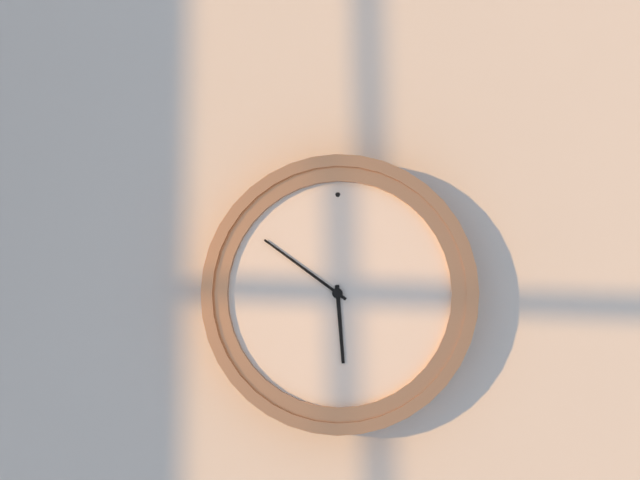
5:51
